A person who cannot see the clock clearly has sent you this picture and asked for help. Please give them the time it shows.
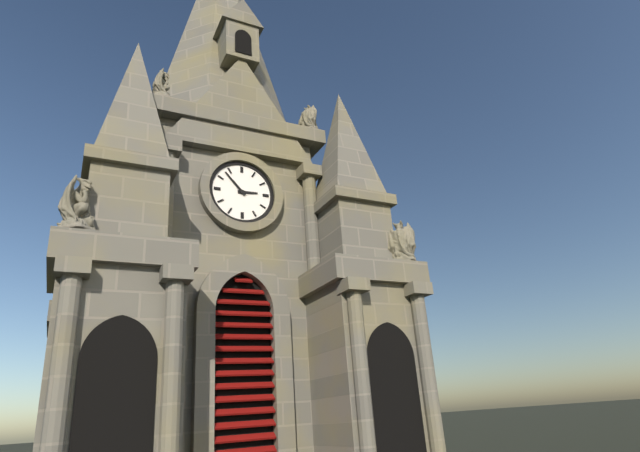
2:53
